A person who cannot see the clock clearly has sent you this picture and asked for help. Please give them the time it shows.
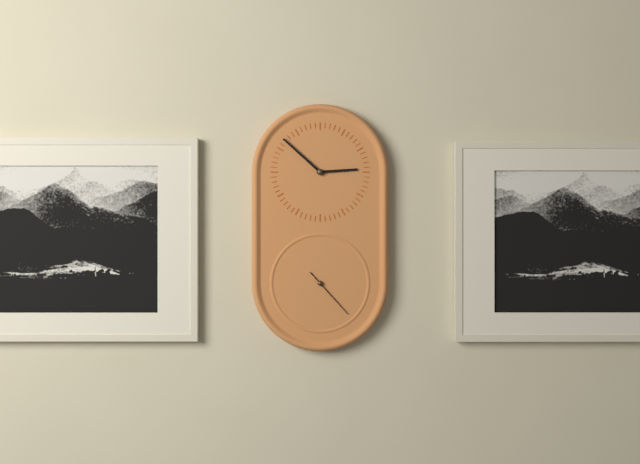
2:52:23
